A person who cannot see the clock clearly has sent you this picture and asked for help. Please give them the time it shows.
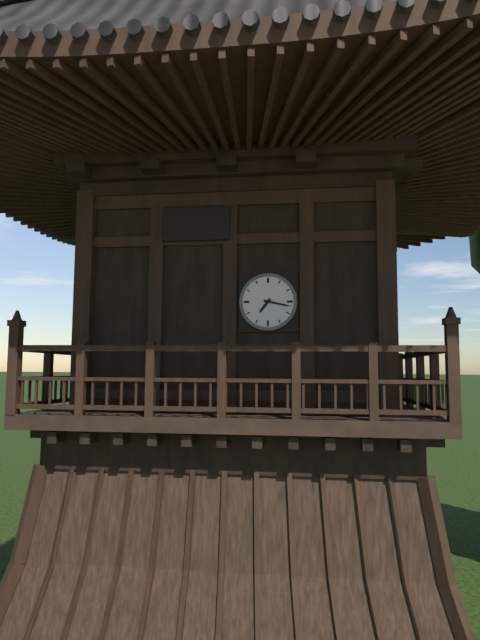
7:17
